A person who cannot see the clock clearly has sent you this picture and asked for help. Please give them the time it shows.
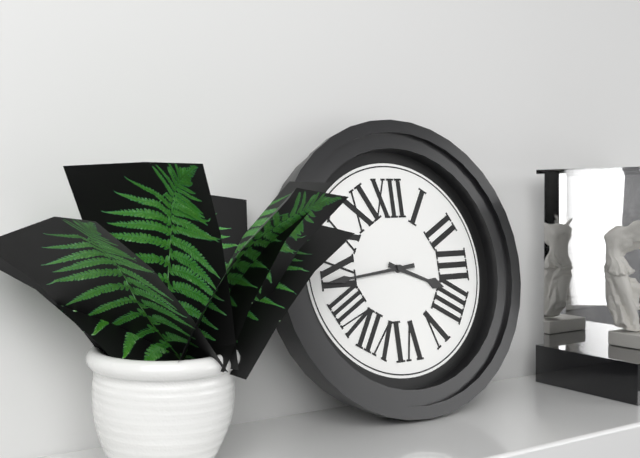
3:44
